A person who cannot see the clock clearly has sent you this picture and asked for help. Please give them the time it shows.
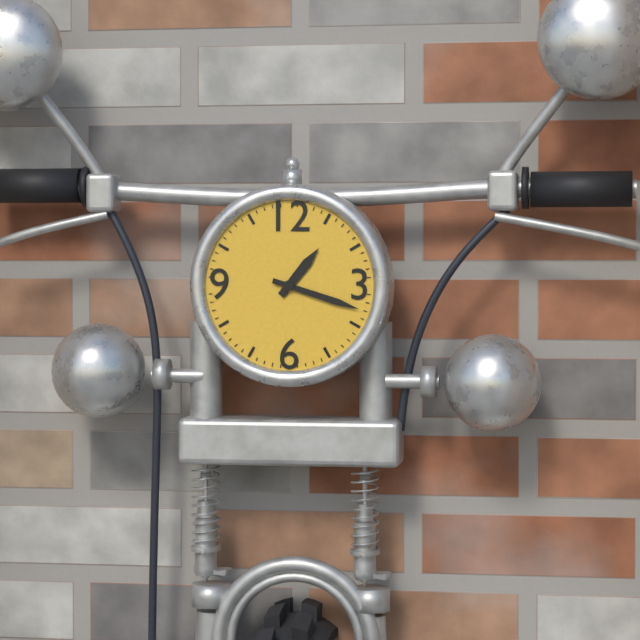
1:18
